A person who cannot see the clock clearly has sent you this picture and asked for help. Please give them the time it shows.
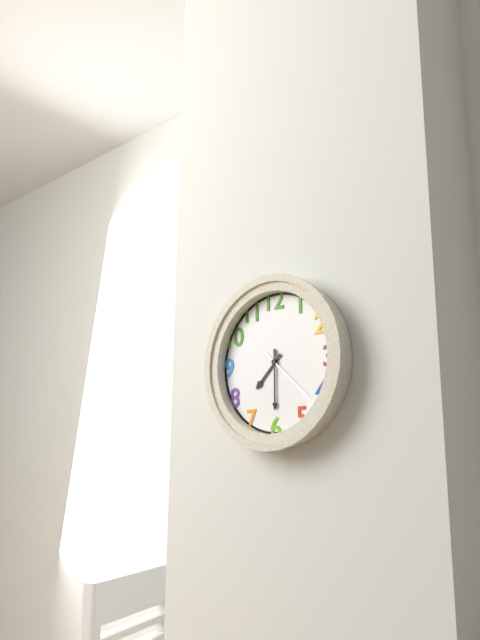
7:30:22
